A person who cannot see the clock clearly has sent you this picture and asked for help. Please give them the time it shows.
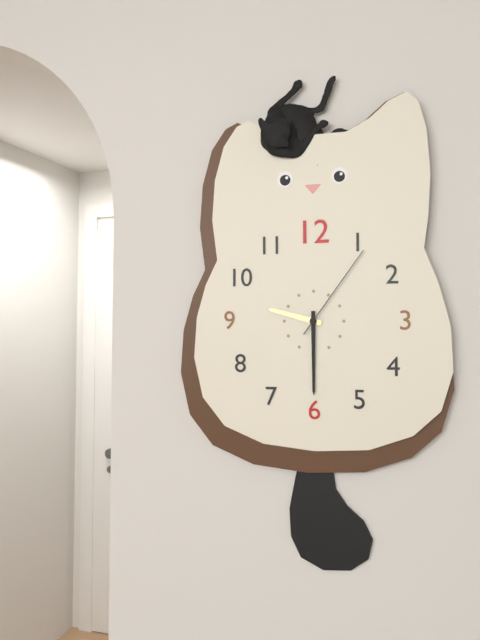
9:30:06
